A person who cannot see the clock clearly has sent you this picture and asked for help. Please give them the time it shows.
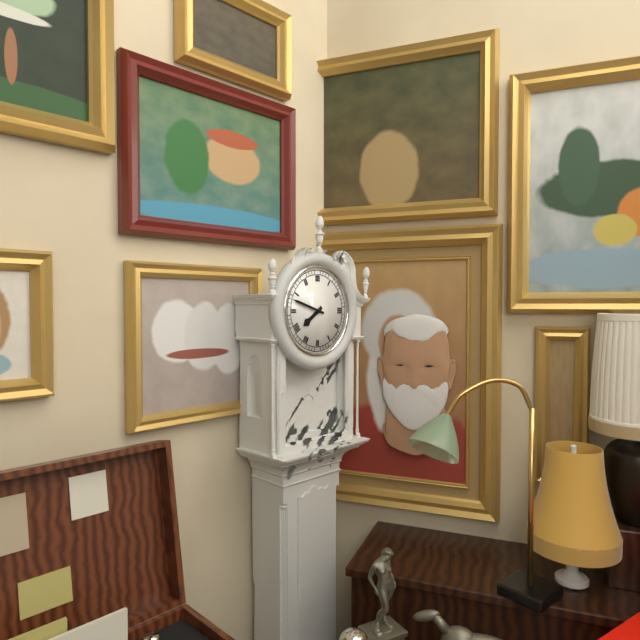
7:48
